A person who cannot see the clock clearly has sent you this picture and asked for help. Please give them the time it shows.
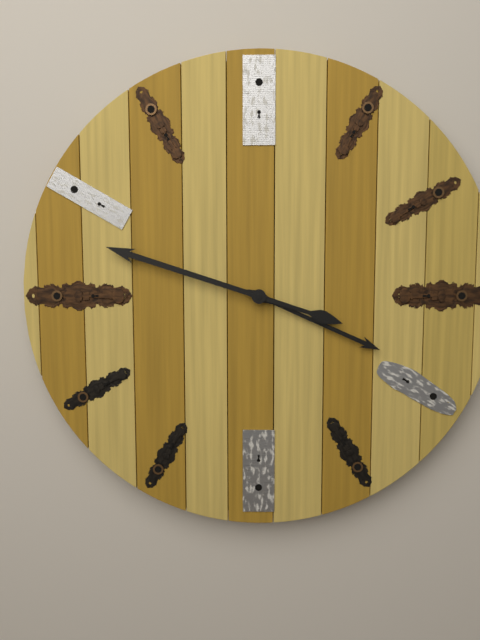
3:48
